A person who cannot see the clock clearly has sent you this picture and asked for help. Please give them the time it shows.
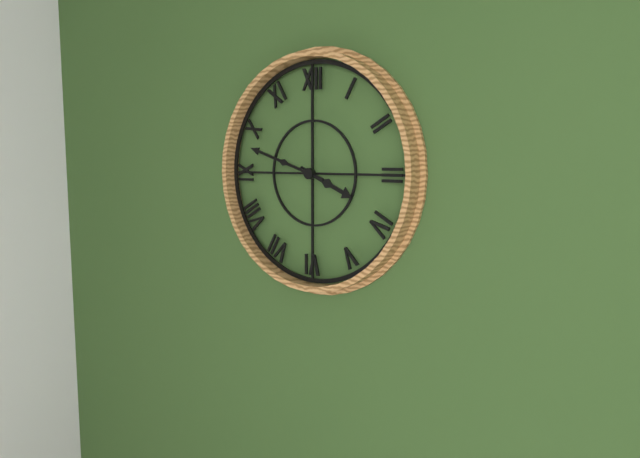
3:48
